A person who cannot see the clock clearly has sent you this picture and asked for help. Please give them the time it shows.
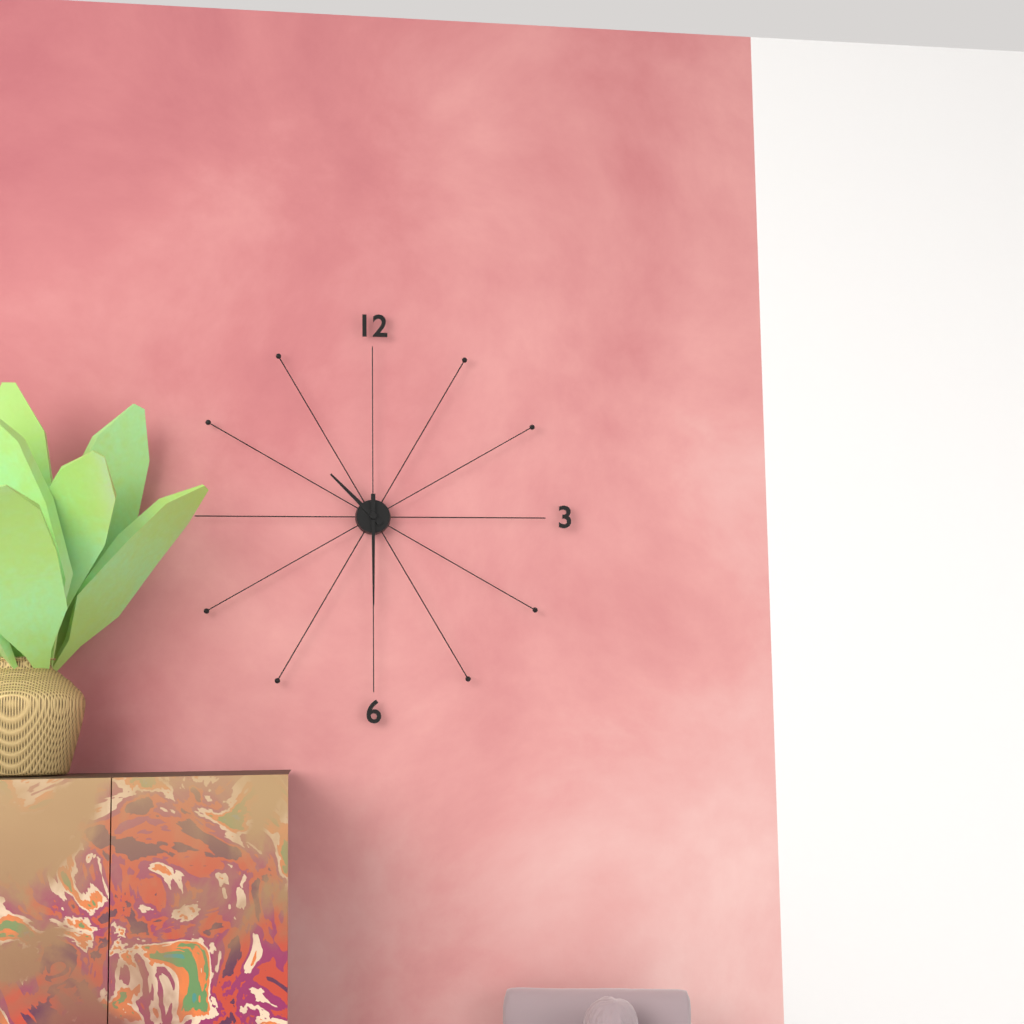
10:30
